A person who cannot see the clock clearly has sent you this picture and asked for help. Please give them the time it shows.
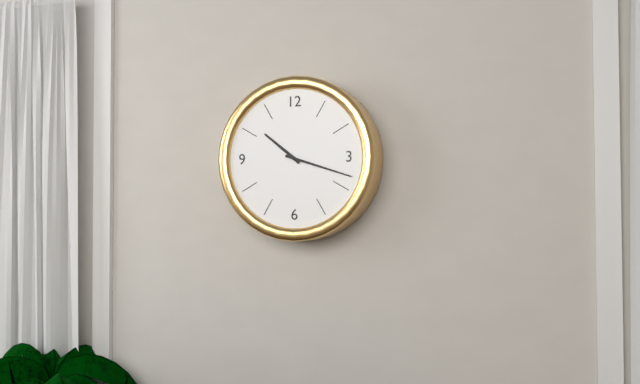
10:18
